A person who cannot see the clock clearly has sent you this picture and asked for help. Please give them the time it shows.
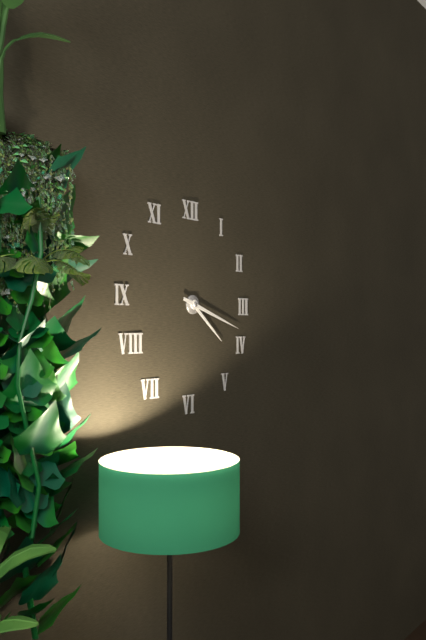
4:18
